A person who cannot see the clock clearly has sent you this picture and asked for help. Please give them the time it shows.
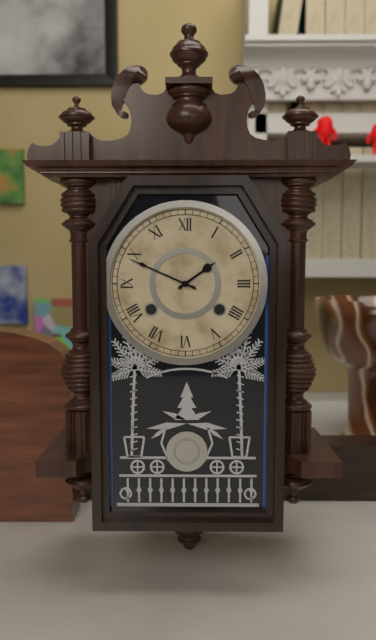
1:49
